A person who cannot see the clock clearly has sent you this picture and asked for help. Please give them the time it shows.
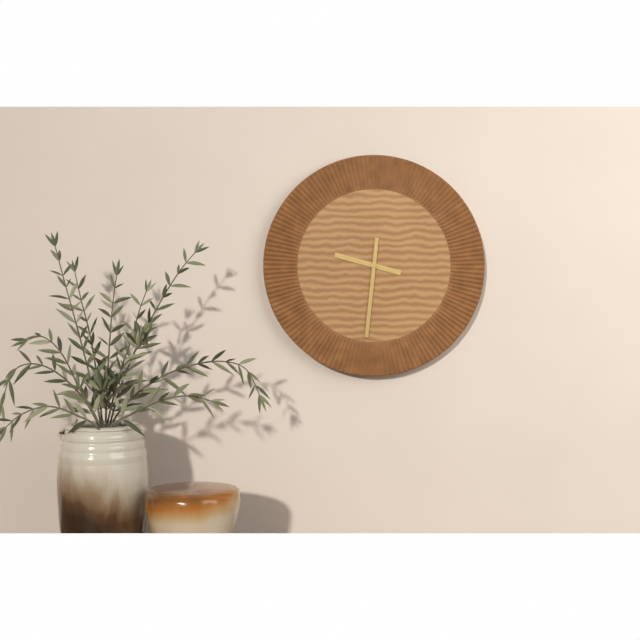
9:31
